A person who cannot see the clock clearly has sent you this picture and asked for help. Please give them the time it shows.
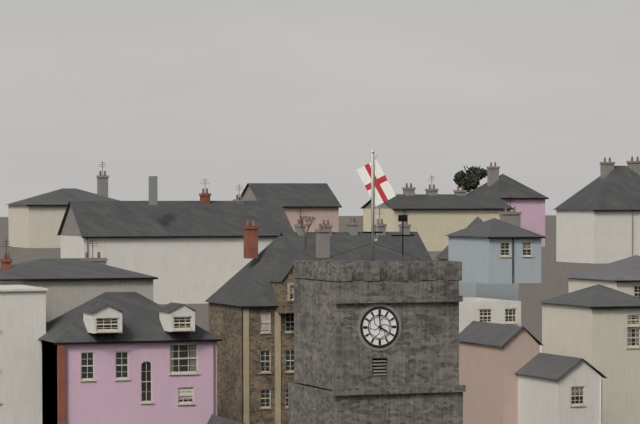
3:59
